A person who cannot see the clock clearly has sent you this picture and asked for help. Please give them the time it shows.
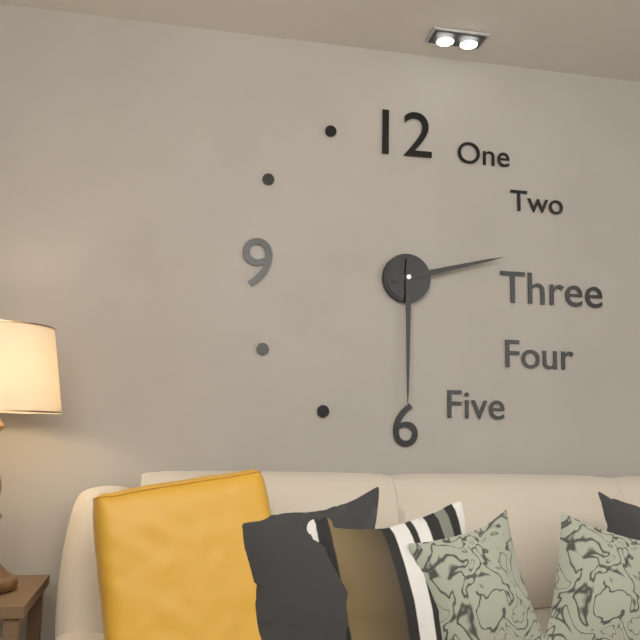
2:30
